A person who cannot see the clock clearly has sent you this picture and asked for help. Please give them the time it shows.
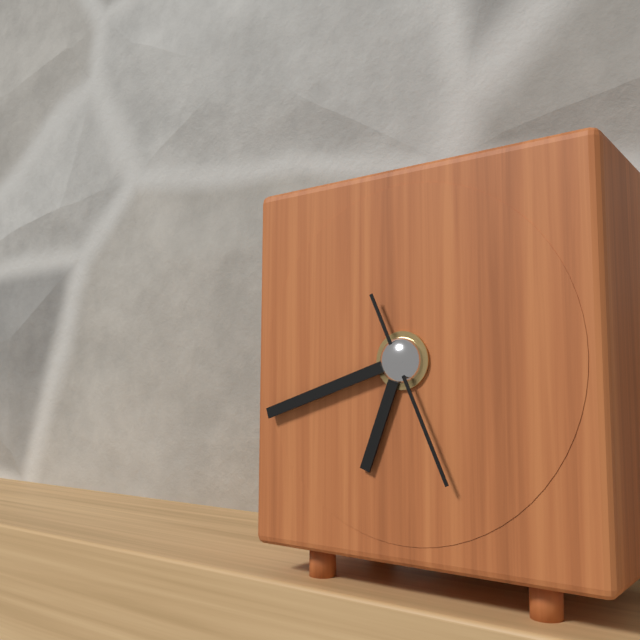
6:42:26
